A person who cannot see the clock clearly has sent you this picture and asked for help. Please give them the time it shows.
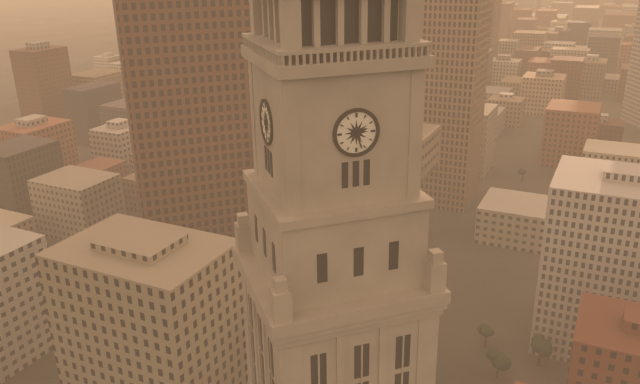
2:27
